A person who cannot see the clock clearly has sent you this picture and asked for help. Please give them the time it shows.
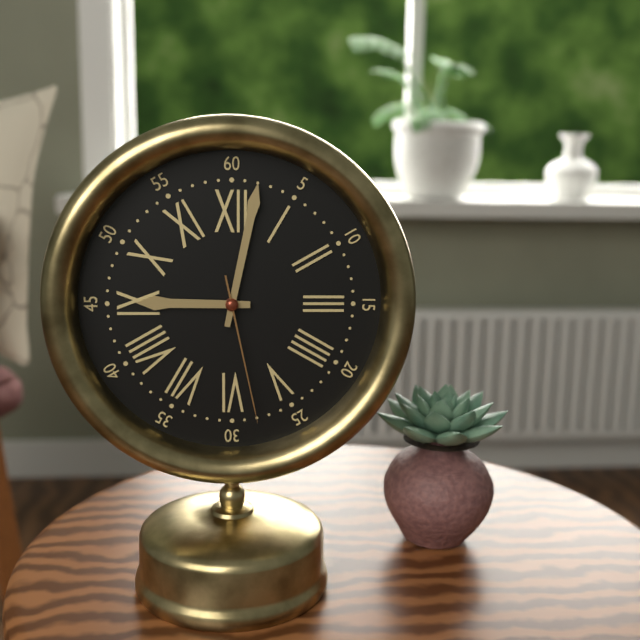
9:02:28
